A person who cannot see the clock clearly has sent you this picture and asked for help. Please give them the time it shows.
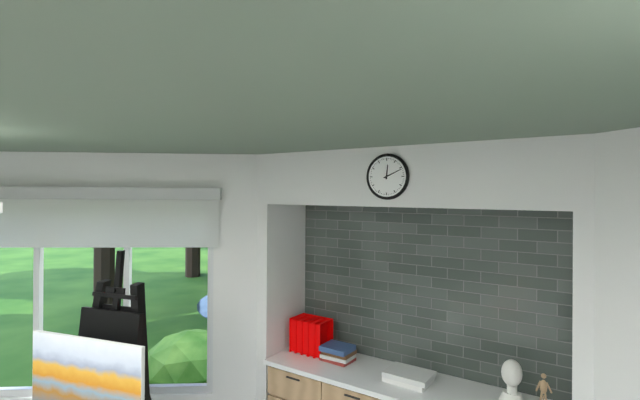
12:11
